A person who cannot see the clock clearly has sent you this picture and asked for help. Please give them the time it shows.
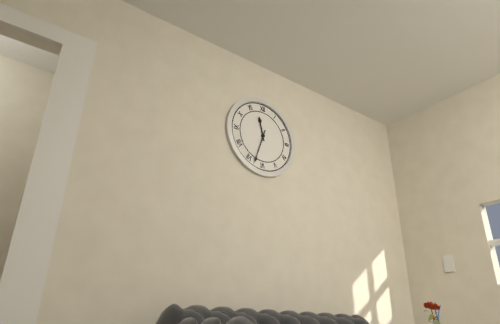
11:33
